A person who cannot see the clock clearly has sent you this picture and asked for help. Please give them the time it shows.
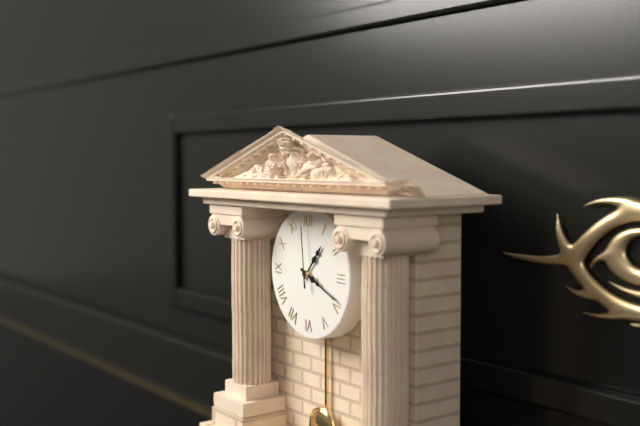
1:19:59
